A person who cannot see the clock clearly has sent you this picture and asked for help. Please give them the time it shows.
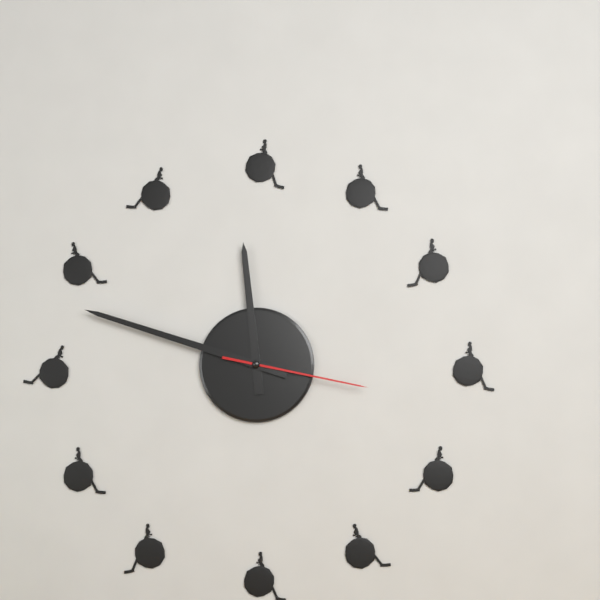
11:48:17
